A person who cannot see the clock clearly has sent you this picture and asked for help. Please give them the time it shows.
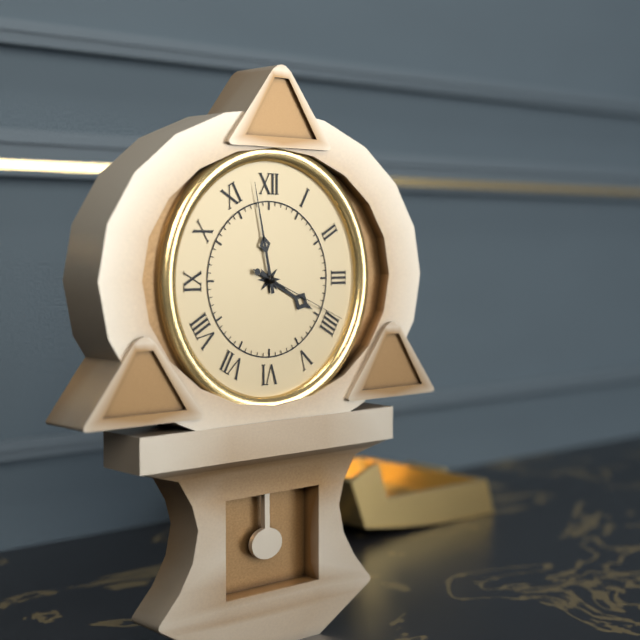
3:58:19
